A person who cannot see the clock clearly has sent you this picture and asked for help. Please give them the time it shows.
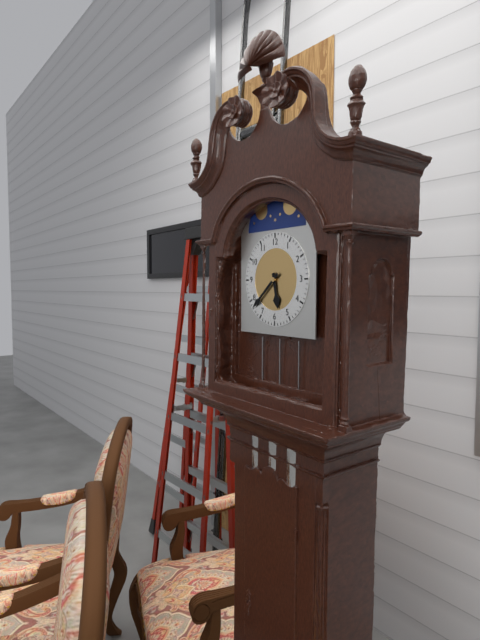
5:38
